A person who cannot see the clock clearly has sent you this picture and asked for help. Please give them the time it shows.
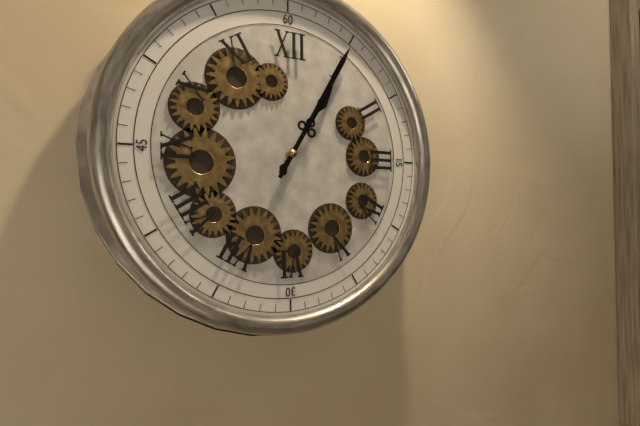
1:05
